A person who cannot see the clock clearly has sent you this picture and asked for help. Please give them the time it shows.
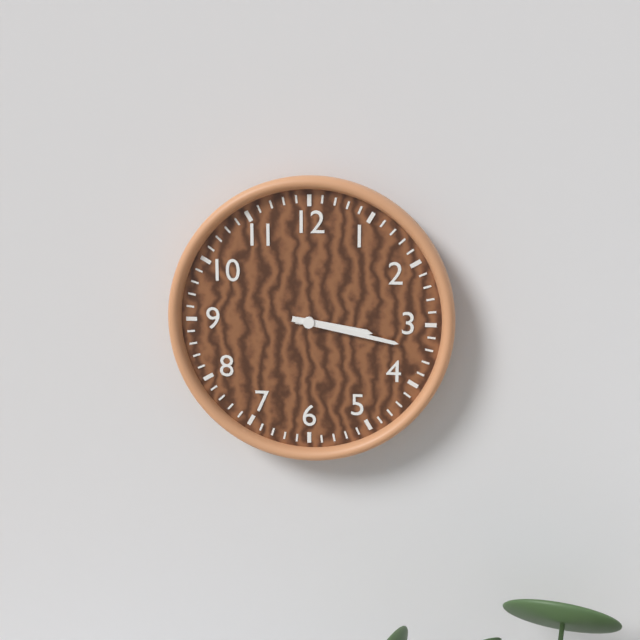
3:17
